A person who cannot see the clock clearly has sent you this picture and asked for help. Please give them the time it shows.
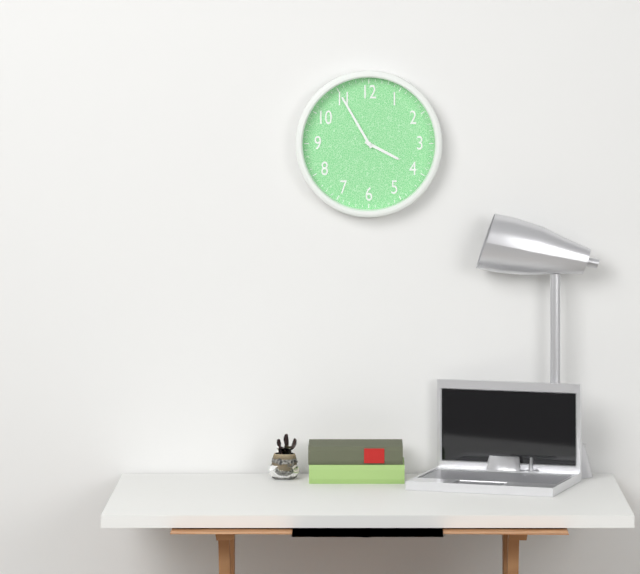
3:55
